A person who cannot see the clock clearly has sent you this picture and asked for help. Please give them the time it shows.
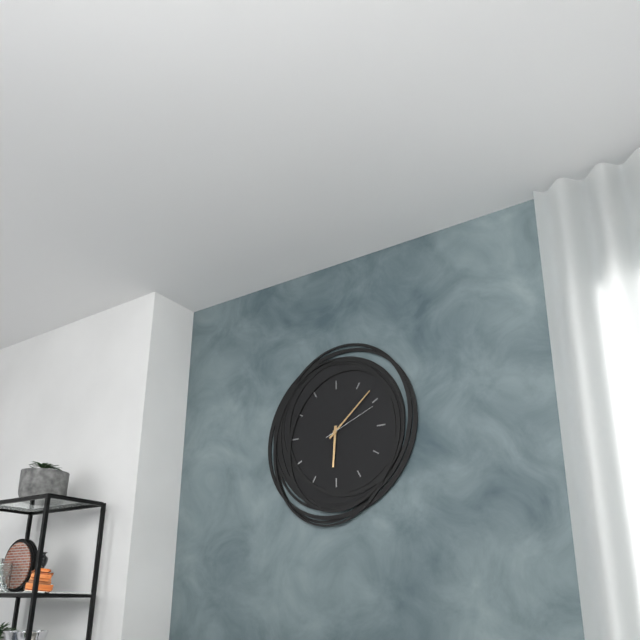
6:08:11
